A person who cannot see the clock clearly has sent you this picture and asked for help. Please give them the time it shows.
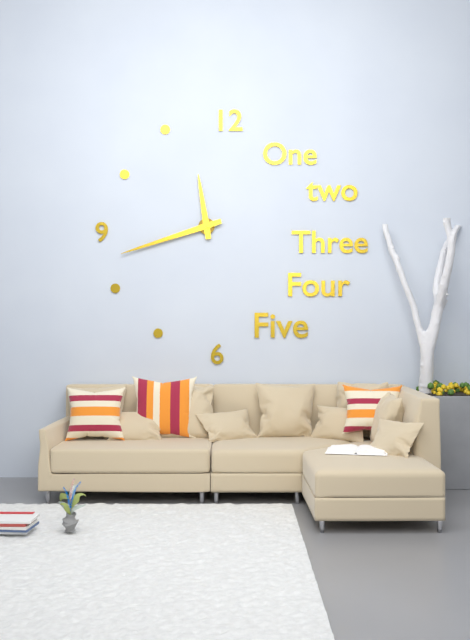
11:42
